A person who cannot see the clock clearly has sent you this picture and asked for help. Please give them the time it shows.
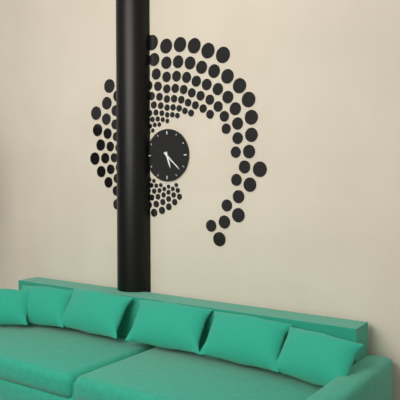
5:22
